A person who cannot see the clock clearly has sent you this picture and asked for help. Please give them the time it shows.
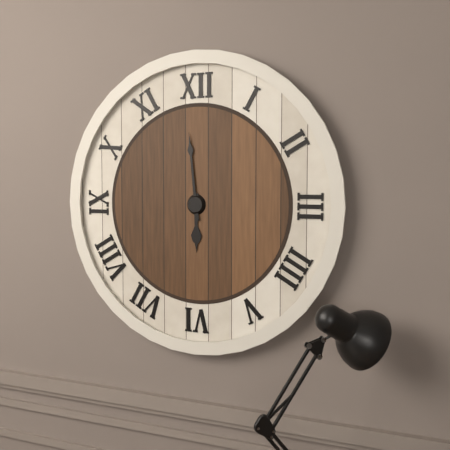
5:59
